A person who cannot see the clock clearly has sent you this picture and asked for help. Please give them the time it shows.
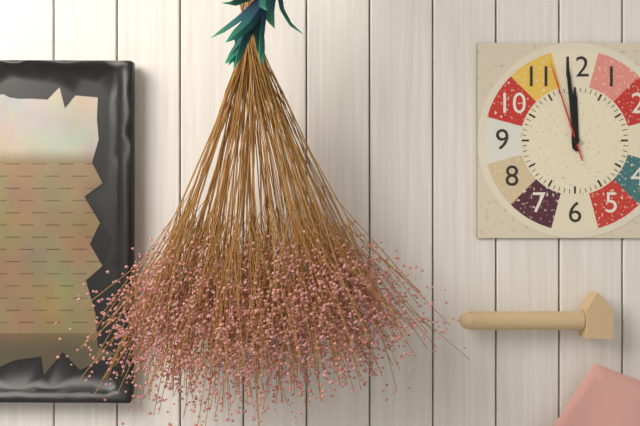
11:59:57
